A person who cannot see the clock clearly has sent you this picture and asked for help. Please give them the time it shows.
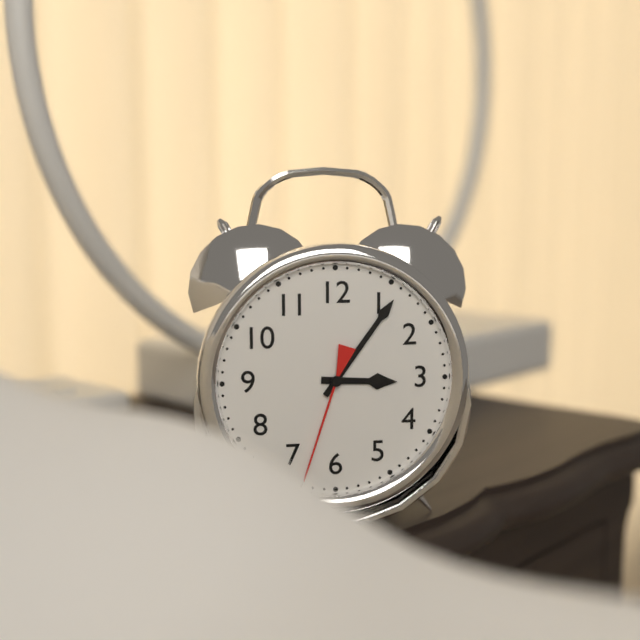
3:06:33
